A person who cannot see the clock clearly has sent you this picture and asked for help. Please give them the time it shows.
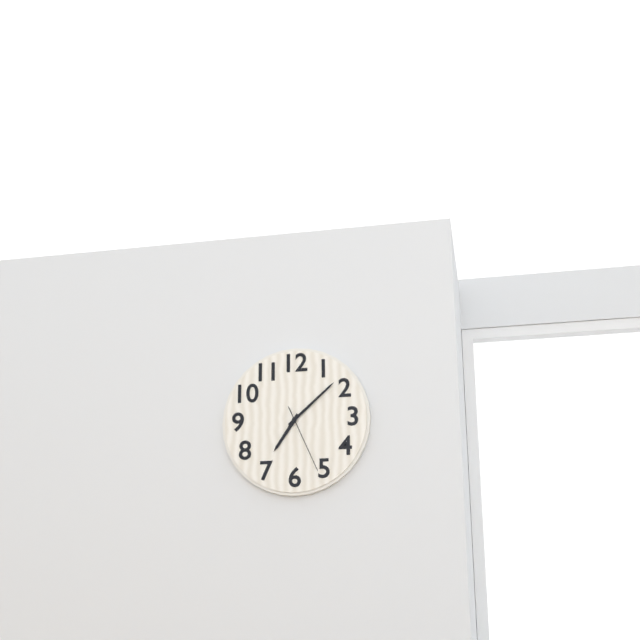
7:08:26
